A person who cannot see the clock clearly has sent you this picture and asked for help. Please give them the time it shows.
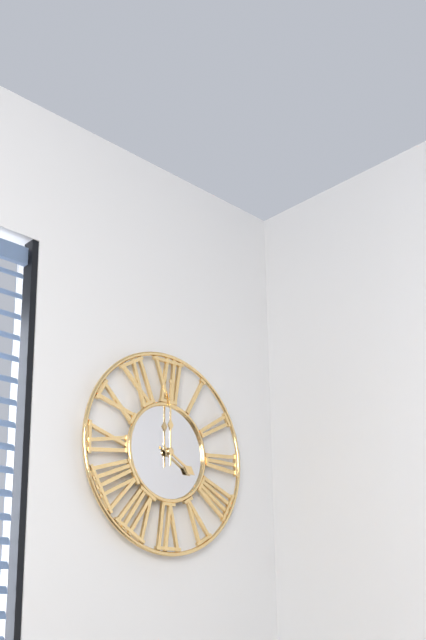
4:00
